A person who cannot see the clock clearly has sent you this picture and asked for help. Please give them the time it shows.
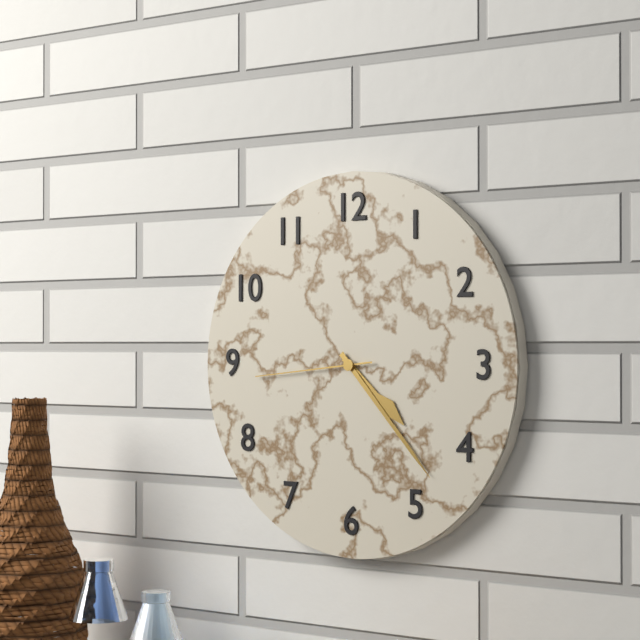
4:23:44
